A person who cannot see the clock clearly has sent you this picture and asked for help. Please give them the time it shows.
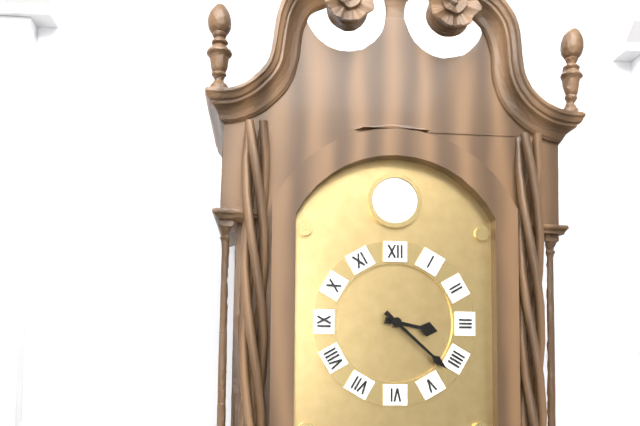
3:22
